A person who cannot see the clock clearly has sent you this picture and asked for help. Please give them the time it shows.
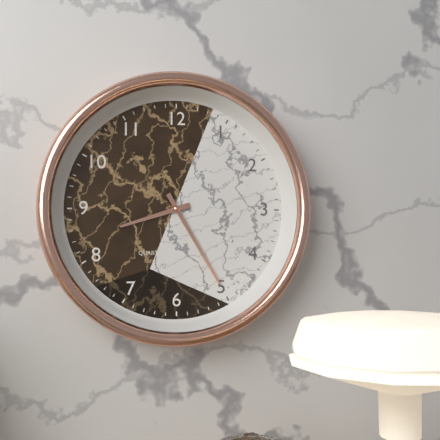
8:25
